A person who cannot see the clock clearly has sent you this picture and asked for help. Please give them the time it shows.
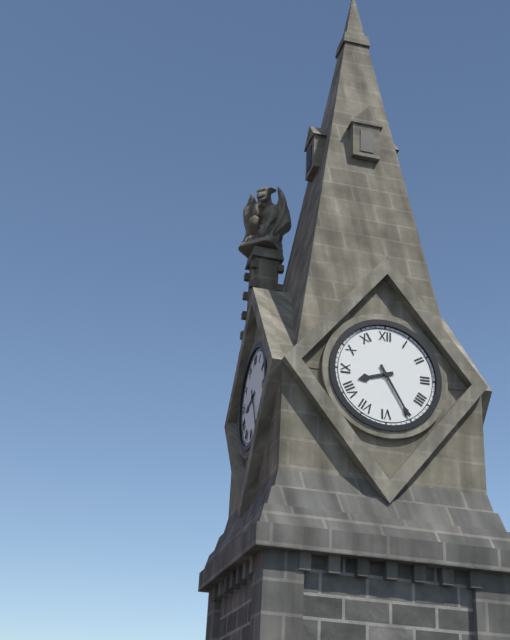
8:25
